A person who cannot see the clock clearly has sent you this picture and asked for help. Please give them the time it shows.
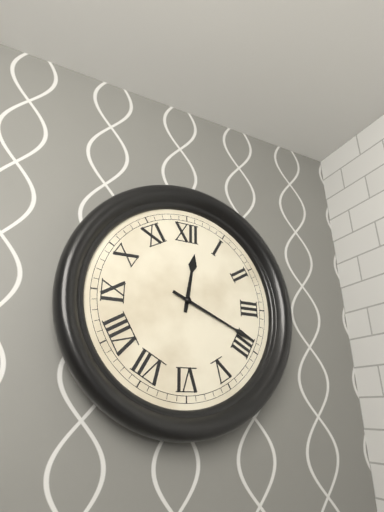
12:19
